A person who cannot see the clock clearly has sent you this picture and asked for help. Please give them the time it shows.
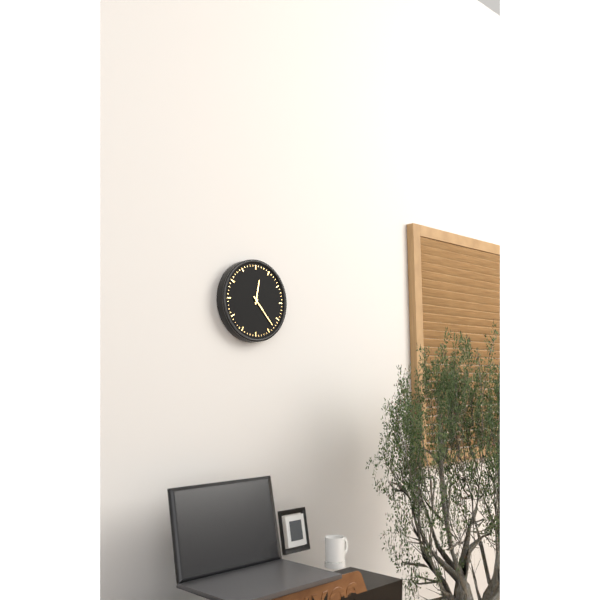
12:23
